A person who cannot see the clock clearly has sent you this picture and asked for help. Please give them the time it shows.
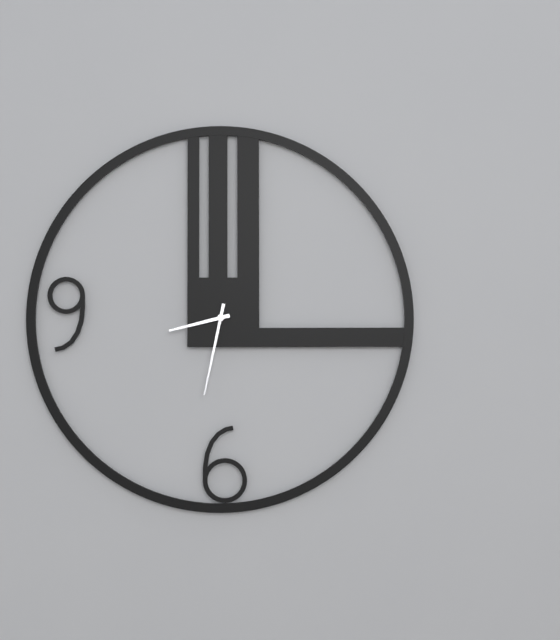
8:32
